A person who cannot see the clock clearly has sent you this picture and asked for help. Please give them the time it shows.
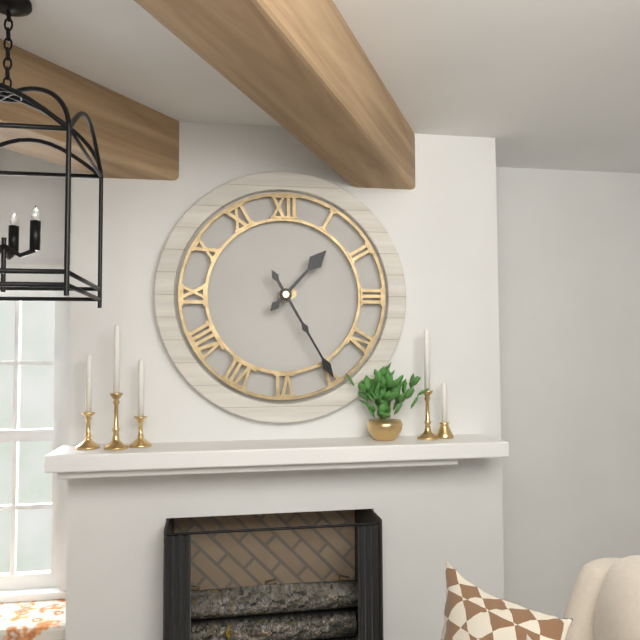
1:25
